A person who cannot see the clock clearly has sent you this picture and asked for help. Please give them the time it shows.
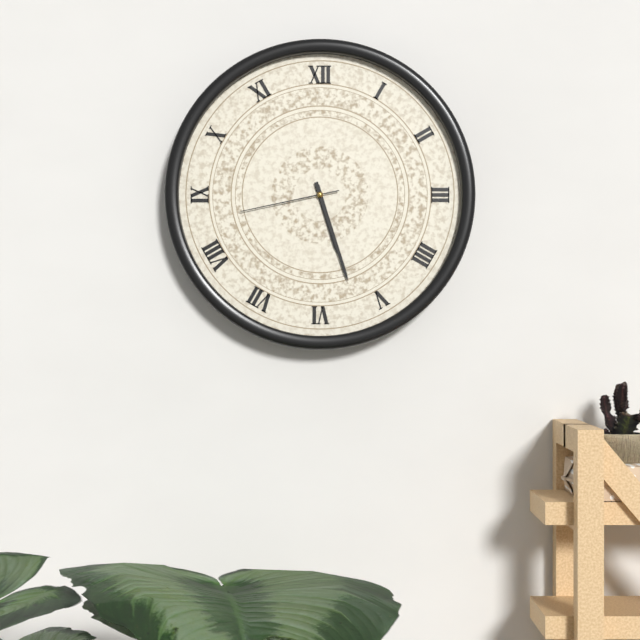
5:27:43
